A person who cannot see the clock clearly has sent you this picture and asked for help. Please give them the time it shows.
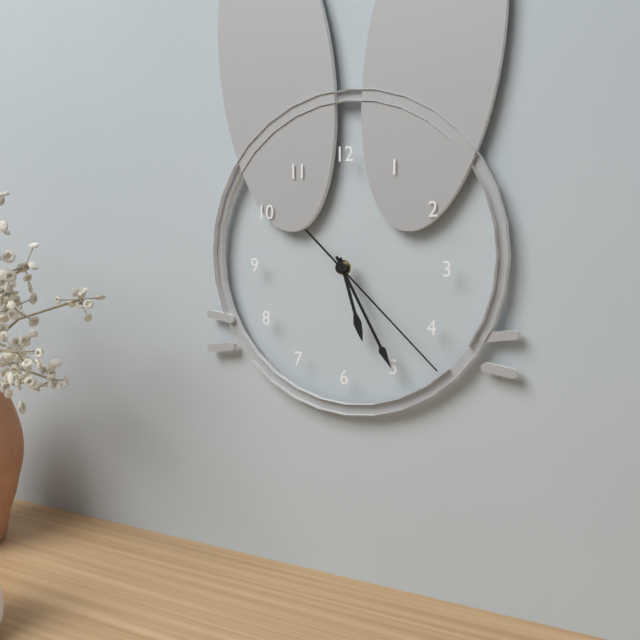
5:25:22
